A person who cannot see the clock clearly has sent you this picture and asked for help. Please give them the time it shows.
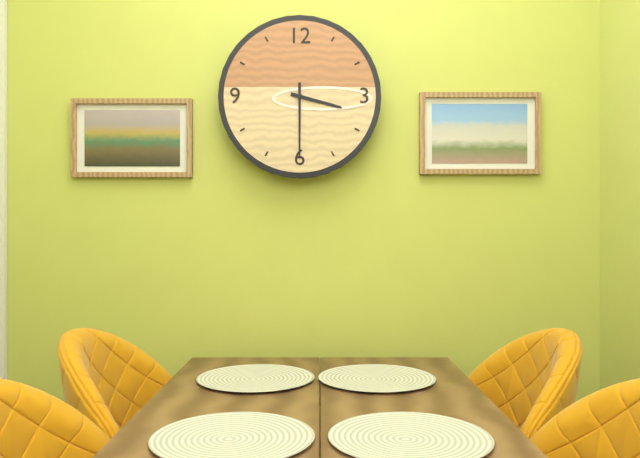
3:30
